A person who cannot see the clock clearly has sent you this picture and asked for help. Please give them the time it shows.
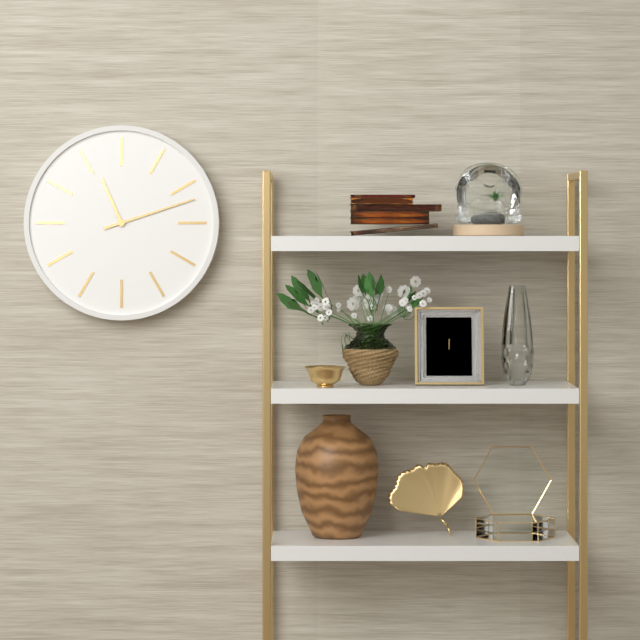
11:12
